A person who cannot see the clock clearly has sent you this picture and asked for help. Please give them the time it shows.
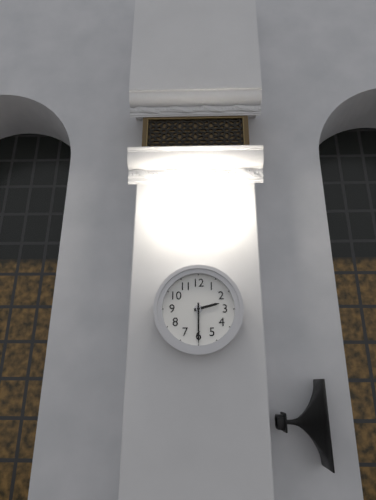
2:30
